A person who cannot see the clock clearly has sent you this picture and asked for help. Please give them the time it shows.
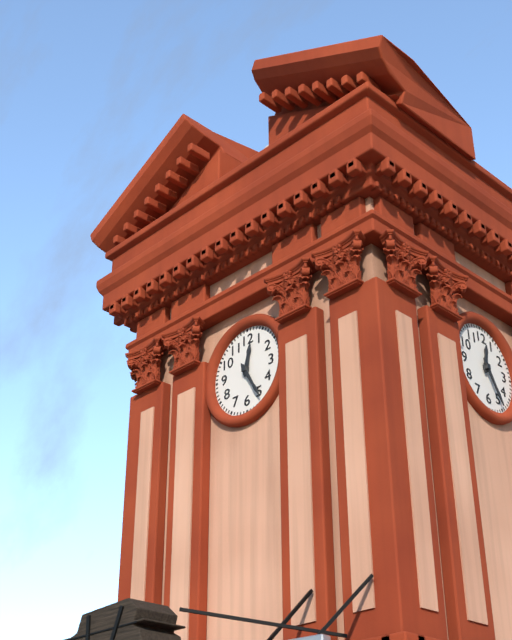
12:25
